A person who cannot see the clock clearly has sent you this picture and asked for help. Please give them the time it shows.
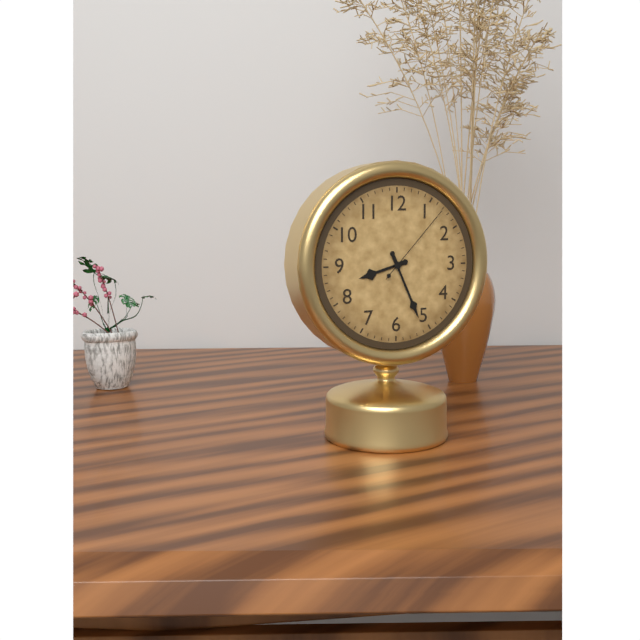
8:26:07
